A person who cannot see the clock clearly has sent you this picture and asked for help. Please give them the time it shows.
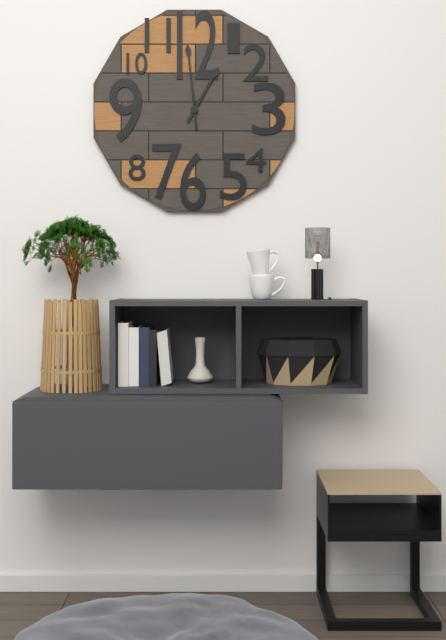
12:59
